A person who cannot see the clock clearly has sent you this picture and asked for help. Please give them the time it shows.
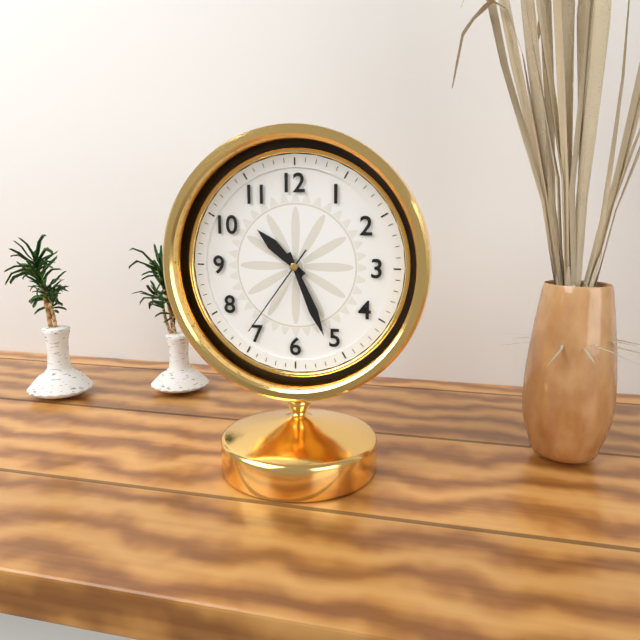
10:26:36
